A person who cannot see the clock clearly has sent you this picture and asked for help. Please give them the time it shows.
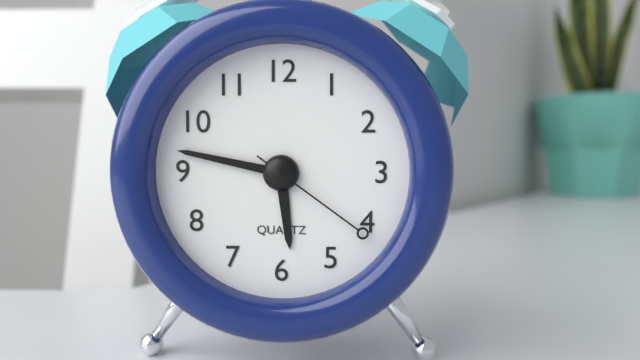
5:47:21
